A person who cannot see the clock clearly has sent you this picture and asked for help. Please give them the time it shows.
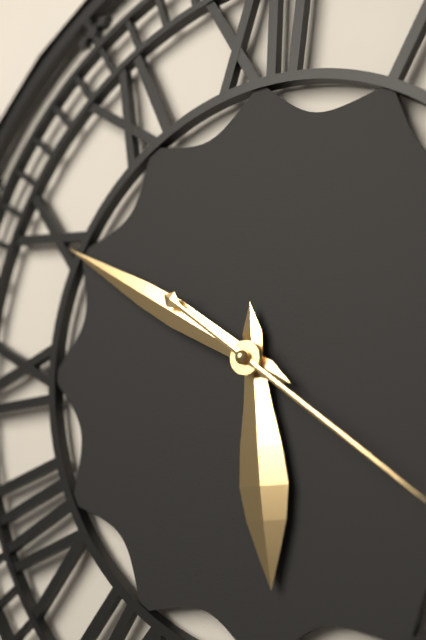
5:50
